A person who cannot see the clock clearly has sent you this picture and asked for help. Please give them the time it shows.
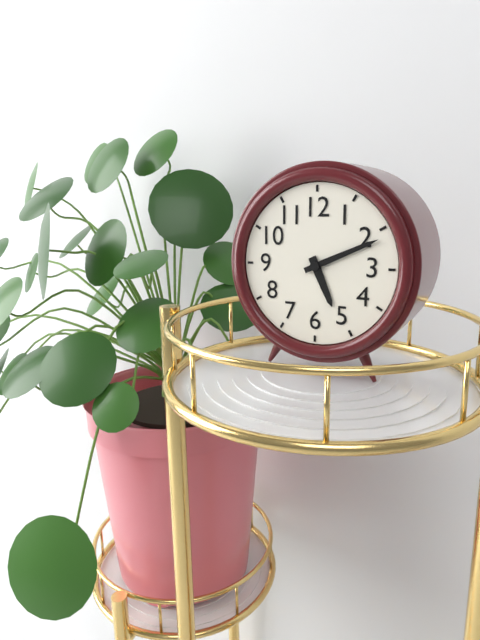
5:11
